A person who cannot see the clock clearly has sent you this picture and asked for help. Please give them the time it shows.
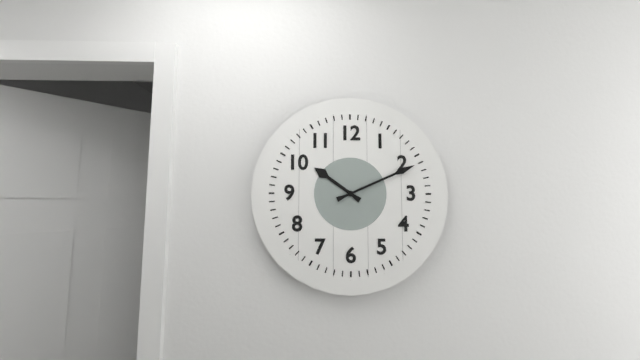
10:11
